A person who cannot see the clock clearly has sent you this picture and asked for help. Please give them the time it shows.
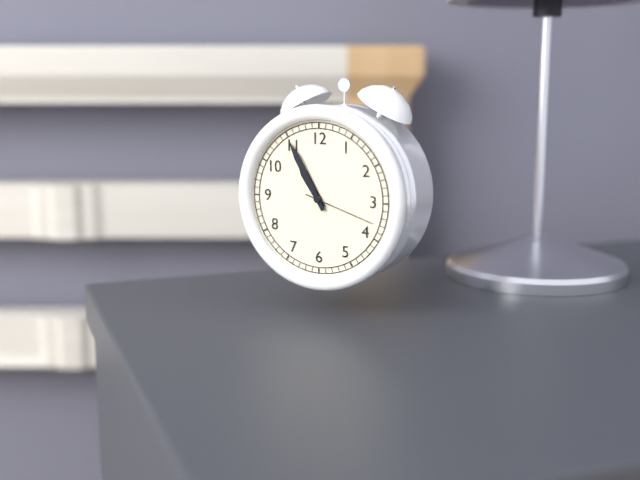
10:55:18
